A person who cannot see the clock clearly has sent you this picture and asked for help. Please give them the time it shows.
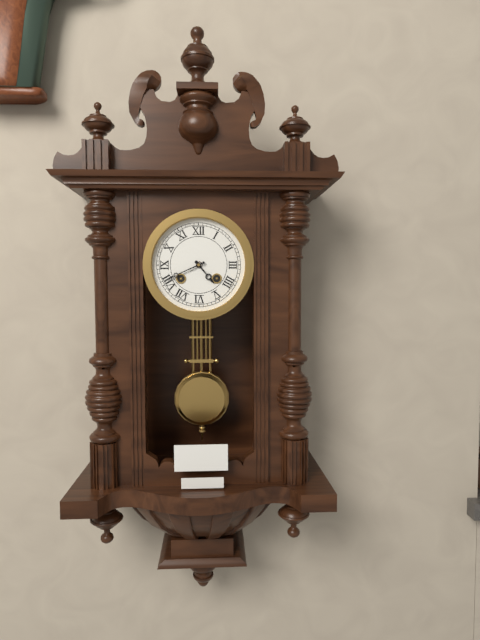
4:41
